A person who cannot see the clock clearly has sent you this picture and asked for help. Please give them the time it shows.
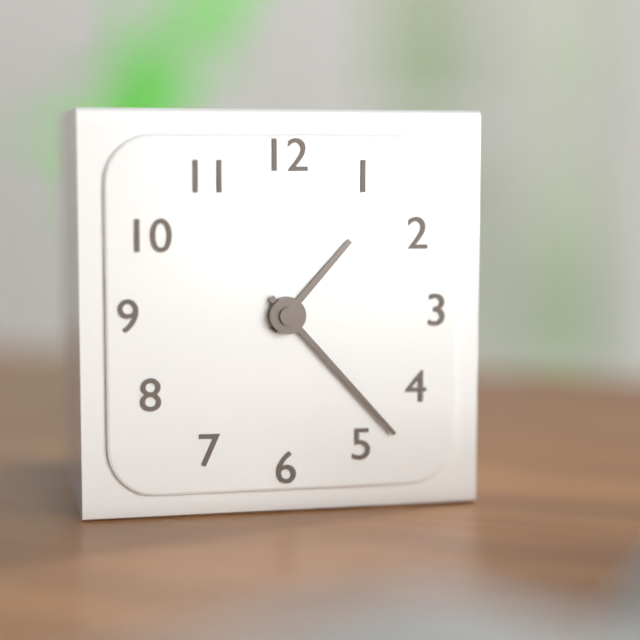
1:23
